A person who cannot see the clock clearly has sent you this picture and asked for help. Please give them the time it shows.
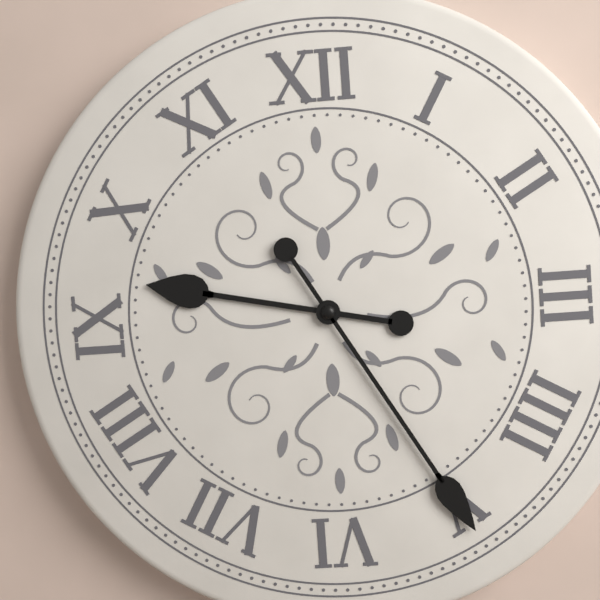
9:25
